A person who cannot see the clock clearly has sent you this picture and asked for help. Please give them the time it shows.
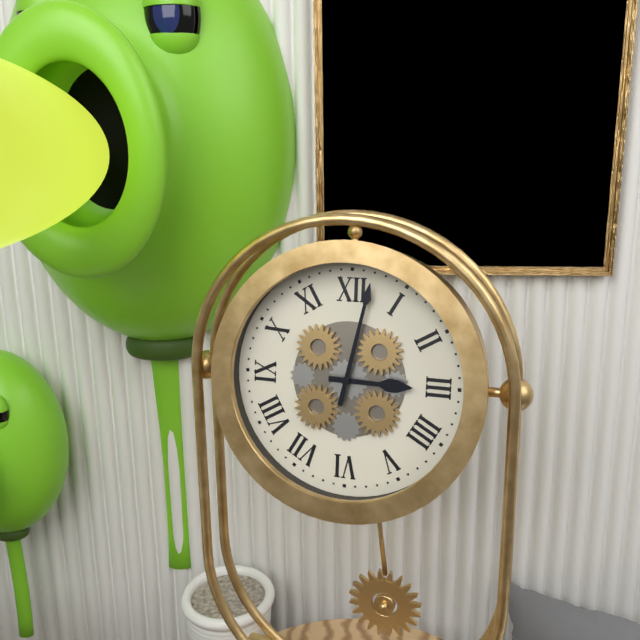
3:02
